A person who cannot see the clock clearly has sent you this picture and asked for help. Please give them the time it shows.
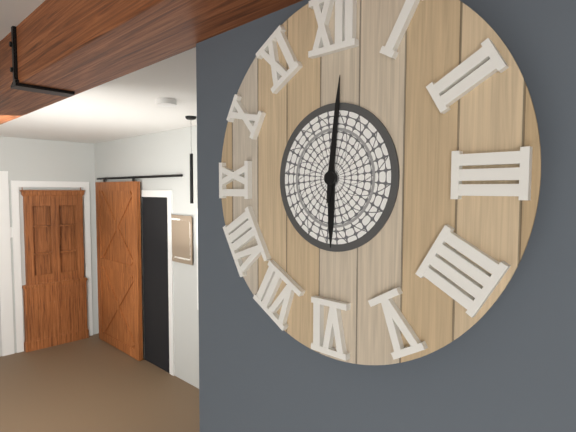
6:01
